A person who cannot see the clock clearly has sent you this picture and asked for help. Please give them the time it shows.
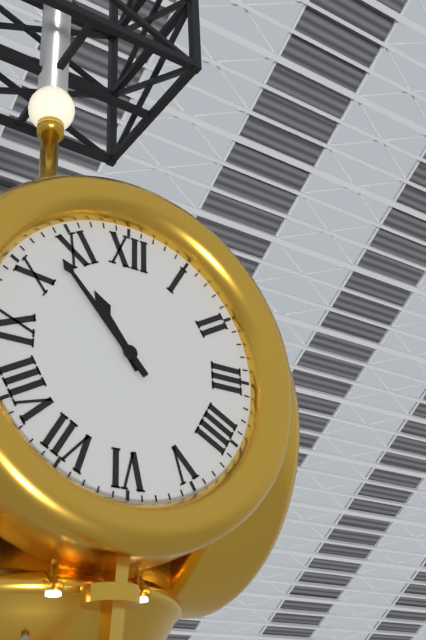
10:53
